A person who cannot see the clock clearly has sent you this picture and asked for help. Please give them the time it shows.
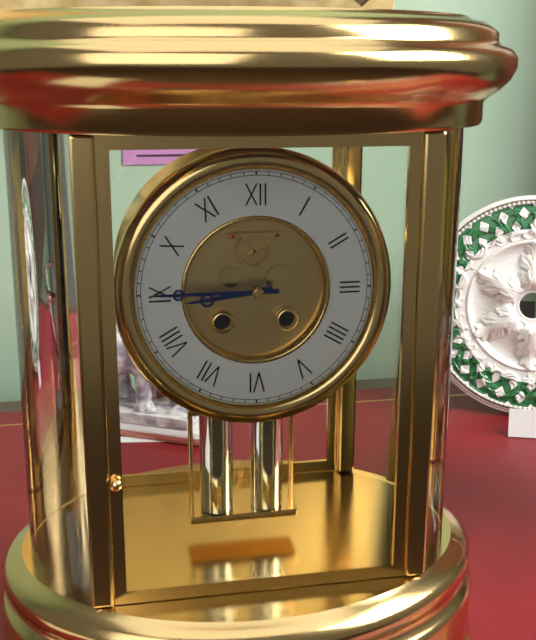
8:45
